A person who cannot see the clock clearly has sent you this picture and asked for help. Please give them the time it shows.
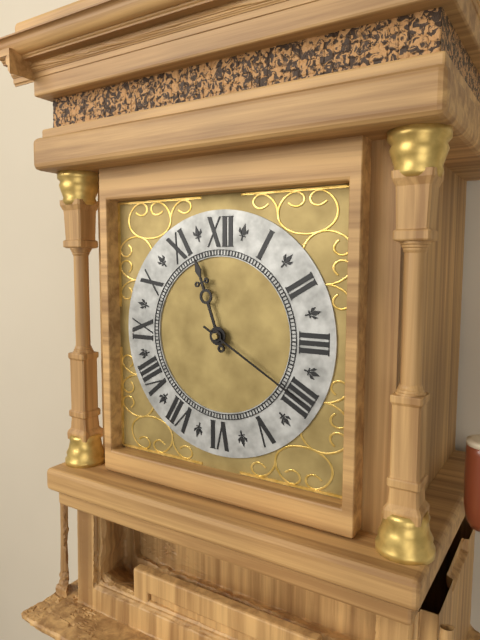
11:20
